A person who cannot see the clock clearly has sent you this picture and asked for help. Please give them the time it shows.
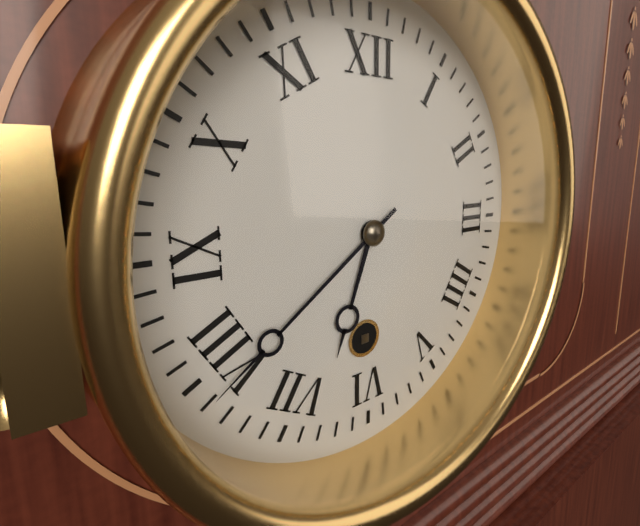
6:39
